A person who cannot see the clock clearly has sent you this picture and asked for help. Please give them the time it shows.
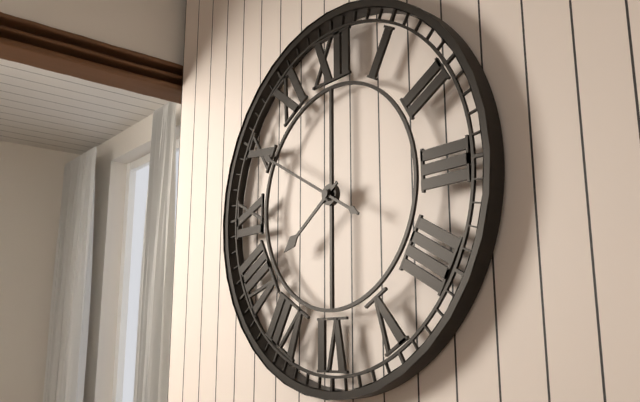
7:50
